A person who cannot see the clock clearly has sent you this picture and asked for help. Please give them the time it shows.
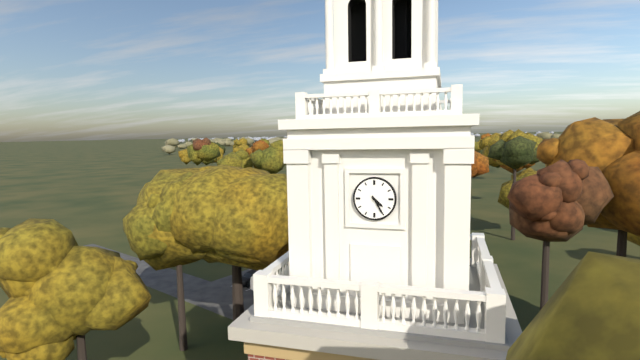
4:25
